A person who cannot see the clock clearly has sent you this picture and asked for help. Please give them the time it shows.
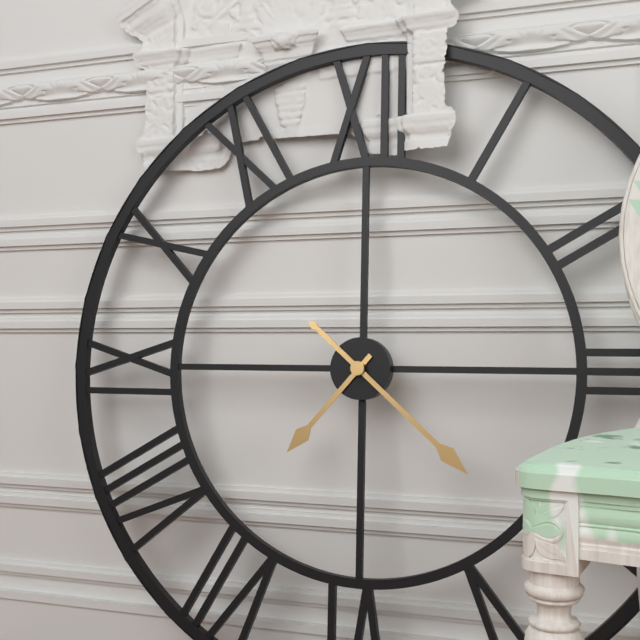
7:22
